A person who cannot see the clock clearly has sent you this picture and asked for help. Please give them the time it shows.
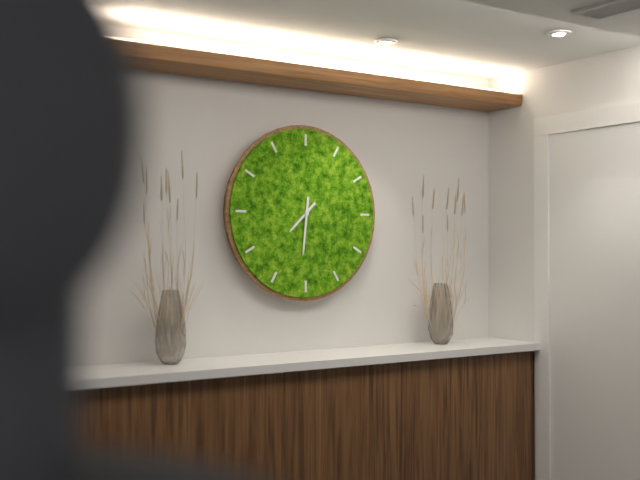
7:31
